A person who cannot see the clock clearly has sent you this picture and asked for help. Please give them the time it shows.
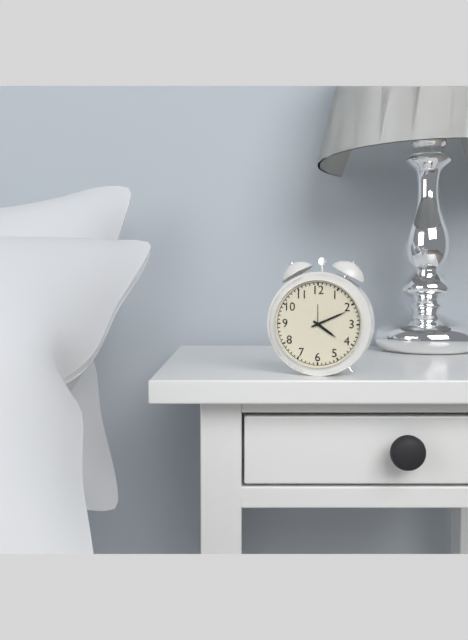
4:11
